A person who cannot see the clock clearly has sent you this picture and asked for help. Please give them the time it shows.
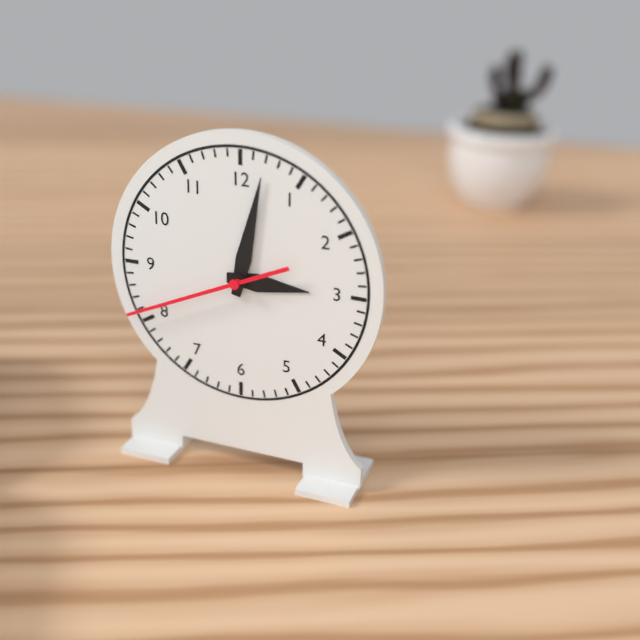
3:02:41
